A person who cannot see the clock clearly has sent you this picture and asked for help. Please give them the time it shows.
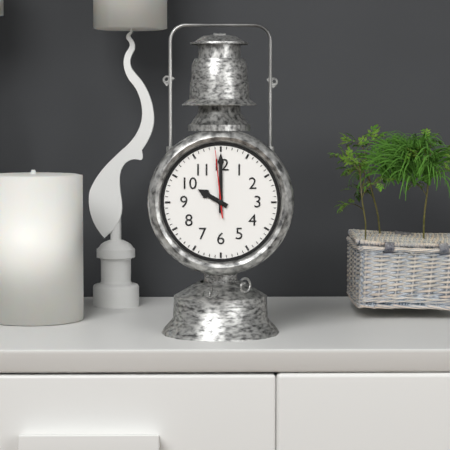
10:00:59
